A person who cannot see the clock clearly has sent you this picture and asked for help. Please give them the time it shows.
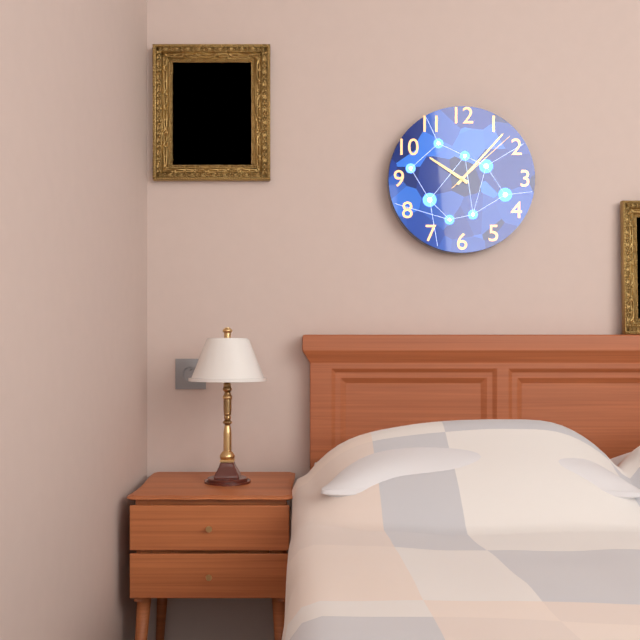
10:07:08
